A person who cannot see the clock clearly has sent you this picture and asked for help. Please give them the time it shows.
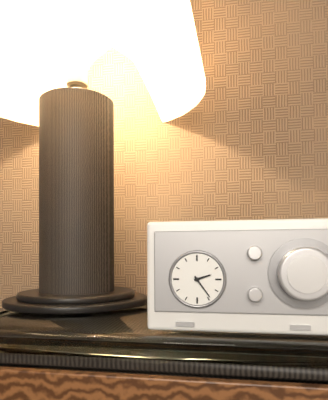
2:24
